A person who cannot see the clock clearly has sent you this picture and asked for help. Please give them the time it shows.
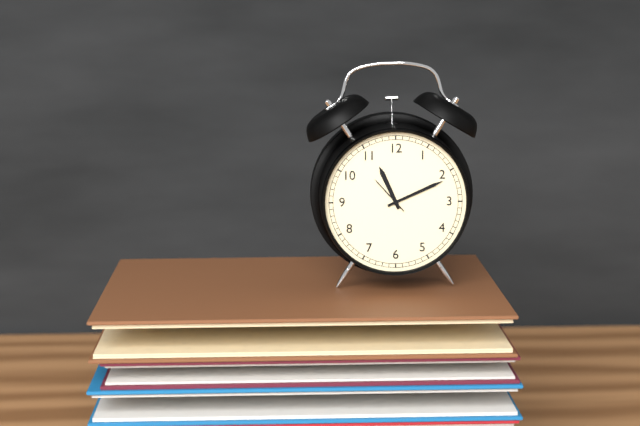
11:11
